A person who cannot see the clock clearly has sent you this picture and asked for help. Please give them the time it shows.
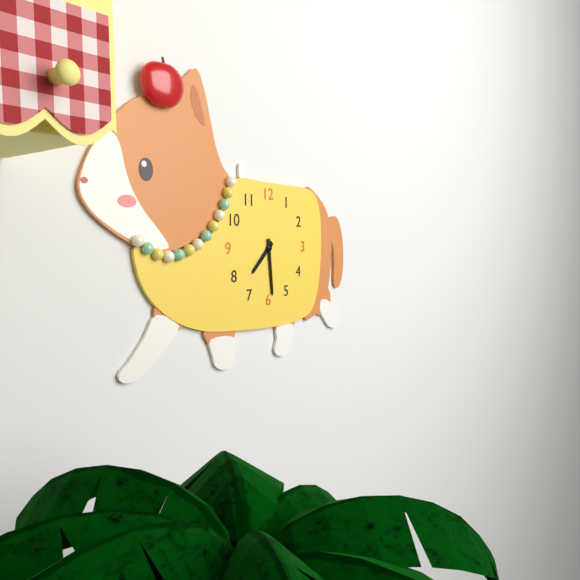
7:29
